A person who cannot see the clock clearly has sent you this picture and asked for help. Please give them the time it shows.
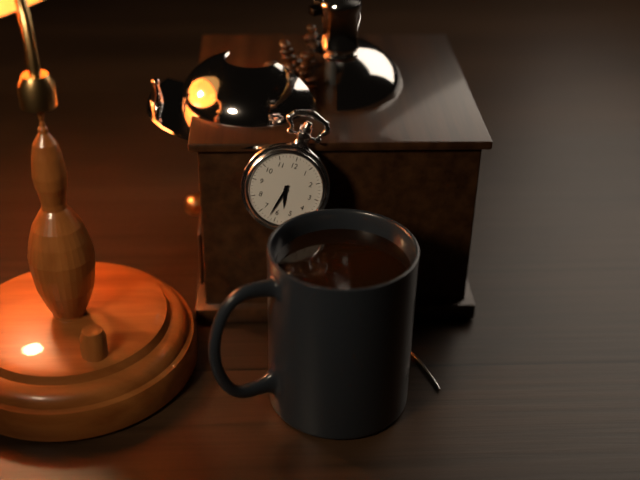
5:32
